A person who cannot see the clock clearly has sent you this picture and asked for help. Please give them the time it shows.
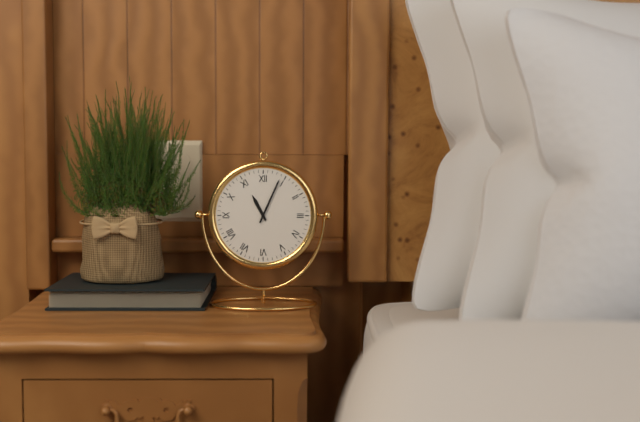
11:04
